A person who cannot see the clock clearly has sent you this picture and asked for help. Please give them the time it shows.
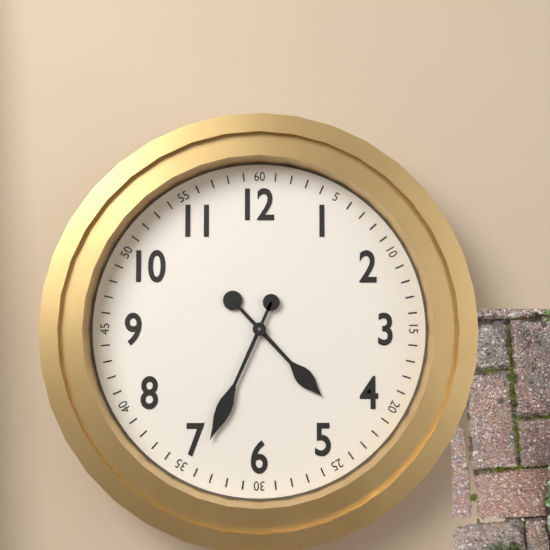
4:34
